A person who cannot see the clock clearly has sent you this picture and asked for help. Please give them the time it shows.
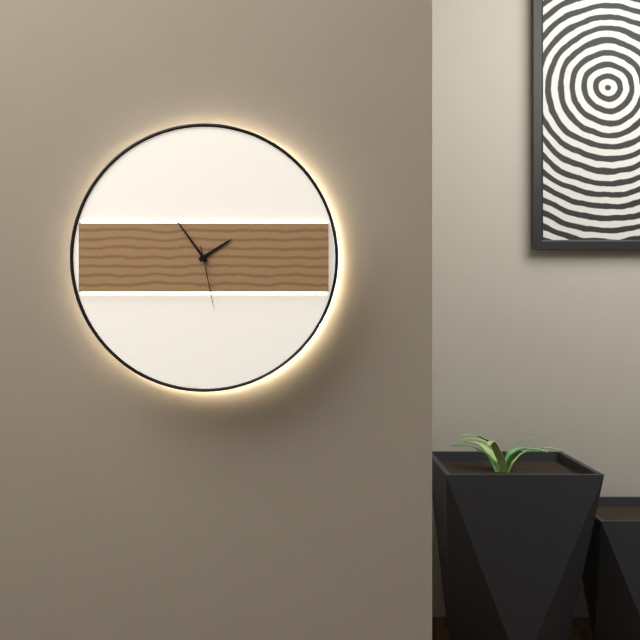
1:54:28
